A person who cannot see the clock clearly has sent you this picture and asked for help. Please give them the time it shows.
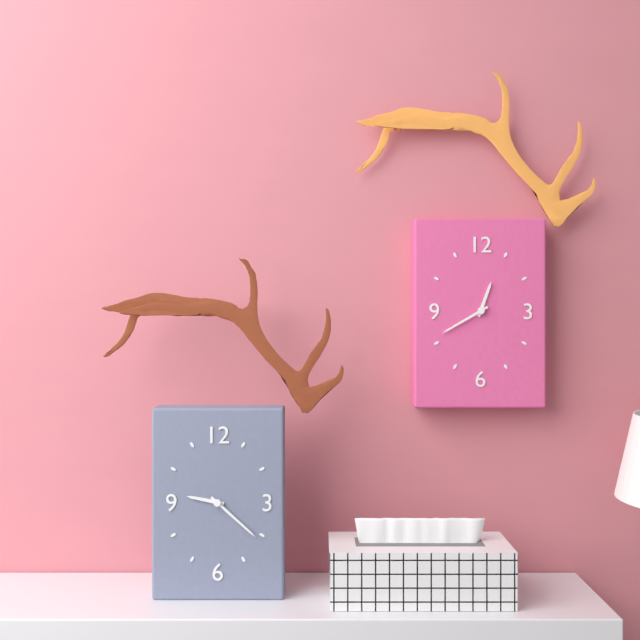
9:22
